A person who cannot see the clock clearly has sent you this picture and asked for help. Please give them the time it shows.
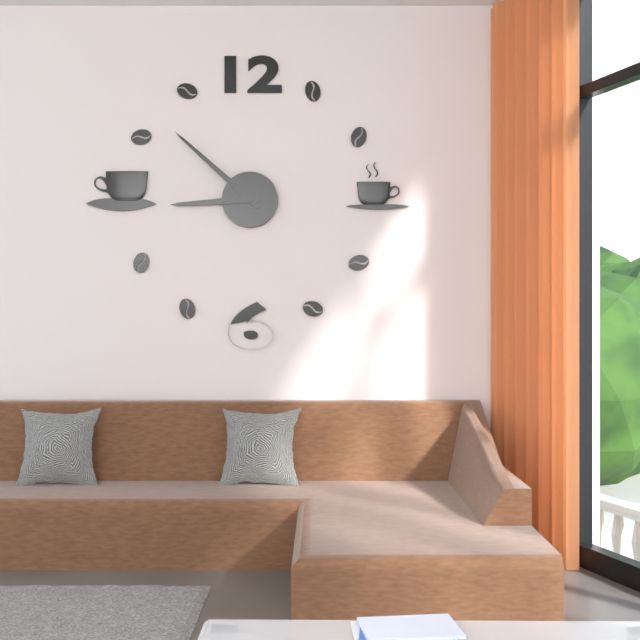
8:52
